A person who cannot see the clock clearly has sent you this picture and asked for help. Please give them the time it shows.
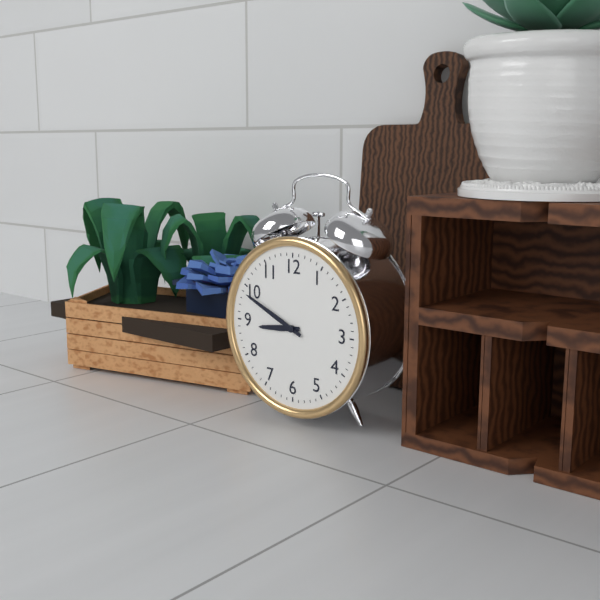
8:49
